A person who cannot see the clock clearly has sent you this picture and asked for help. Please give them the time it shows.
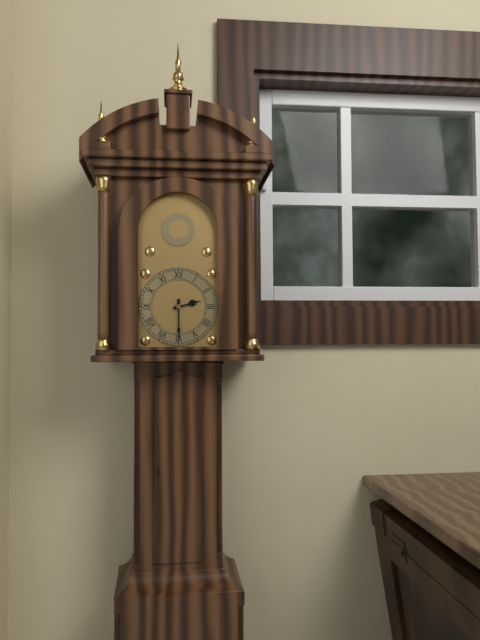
2:30
